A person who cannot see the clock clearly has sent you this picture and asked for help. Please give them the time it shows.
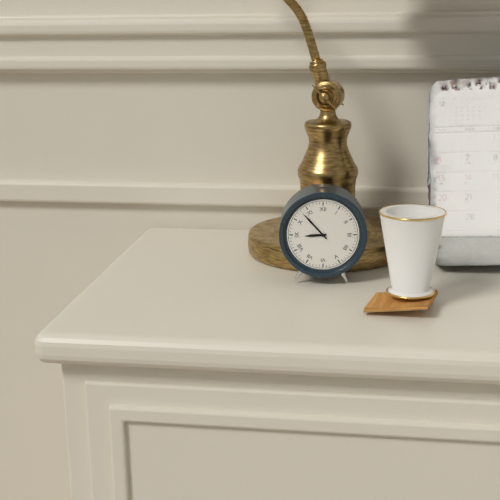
8:53
